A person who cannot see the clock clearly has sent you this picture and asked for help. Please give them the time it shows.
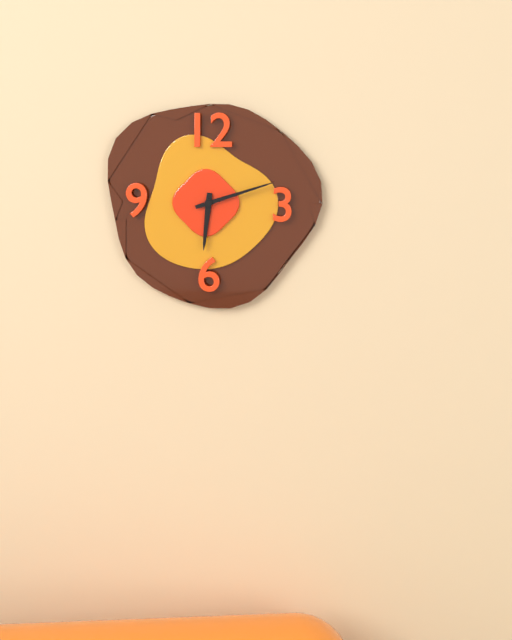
6:12
